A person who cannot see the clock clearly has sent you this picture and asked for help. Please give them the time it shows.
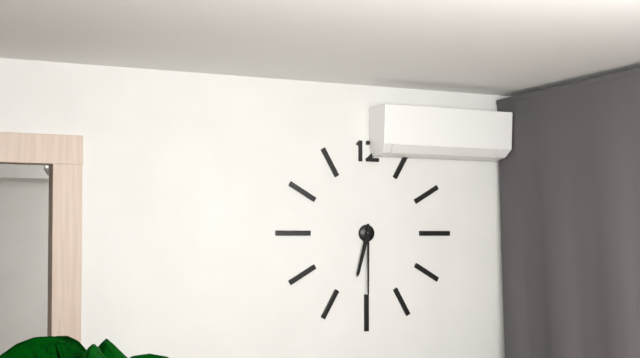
6:30
